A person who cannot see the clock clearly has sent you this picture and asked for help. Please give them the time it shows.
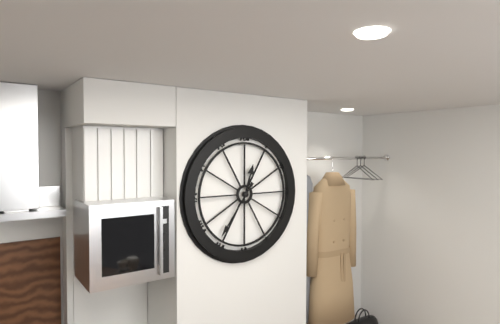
12:36
